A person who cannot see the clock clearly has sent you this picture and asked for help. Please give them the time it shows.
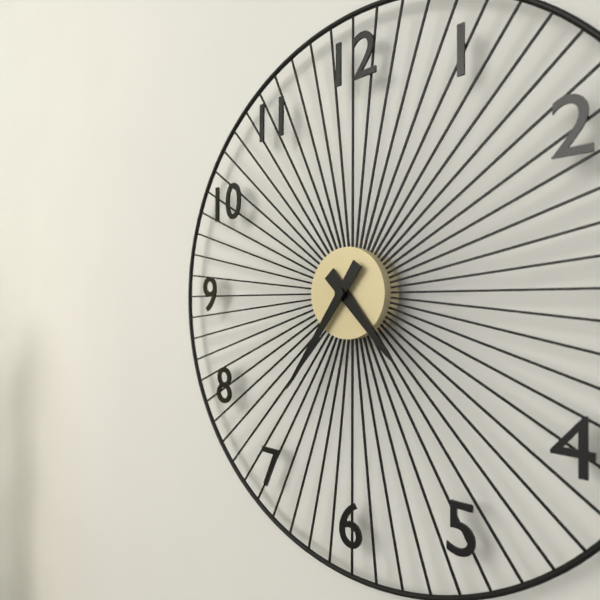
4:36
